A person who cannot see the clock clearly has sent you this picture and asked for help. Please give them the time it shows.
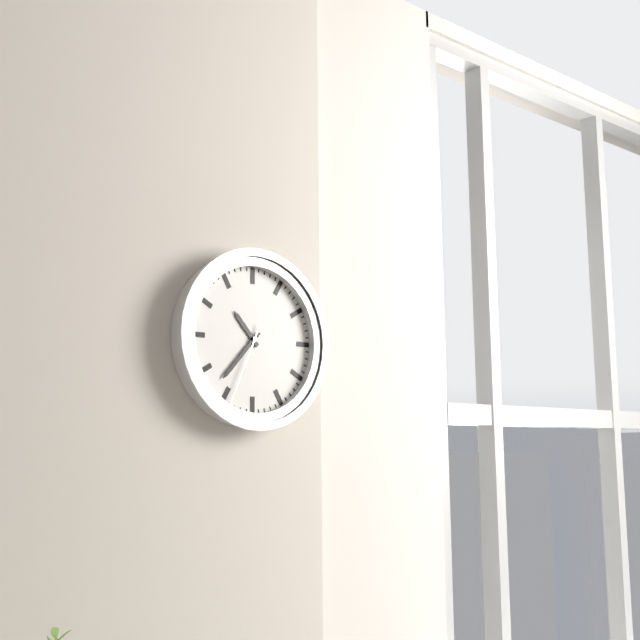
10:37:34
